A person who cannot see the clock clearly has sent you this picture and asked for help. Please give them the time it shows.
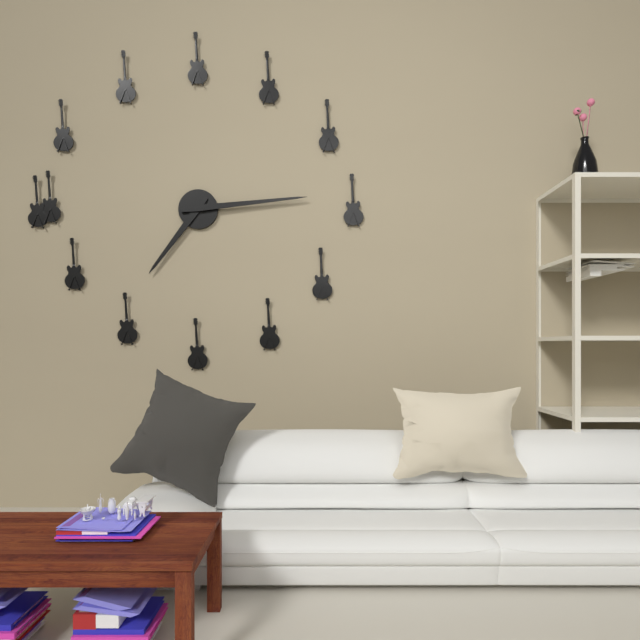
7:14
